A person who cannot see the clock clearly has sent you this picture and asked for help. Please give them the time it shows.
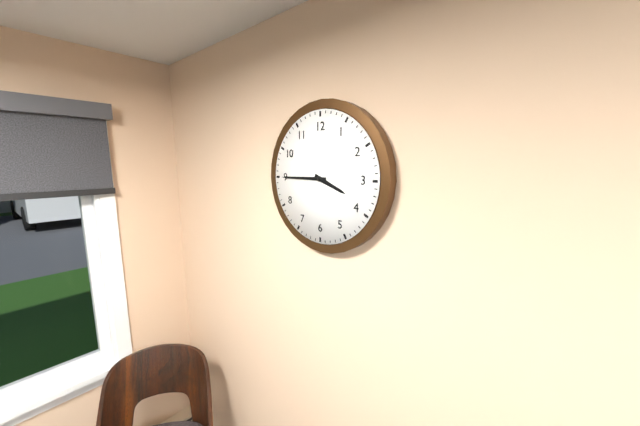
3:45
